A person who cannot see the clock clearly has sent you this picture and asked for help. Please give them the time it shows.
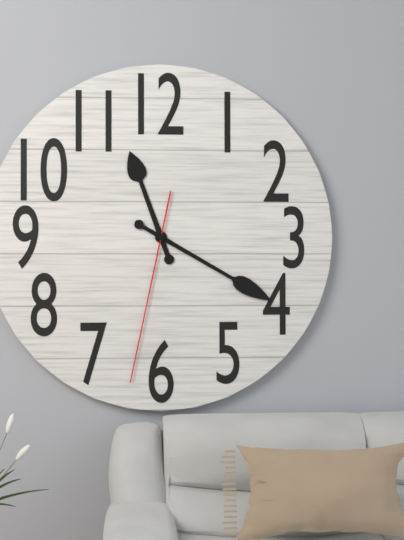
11:20:32
